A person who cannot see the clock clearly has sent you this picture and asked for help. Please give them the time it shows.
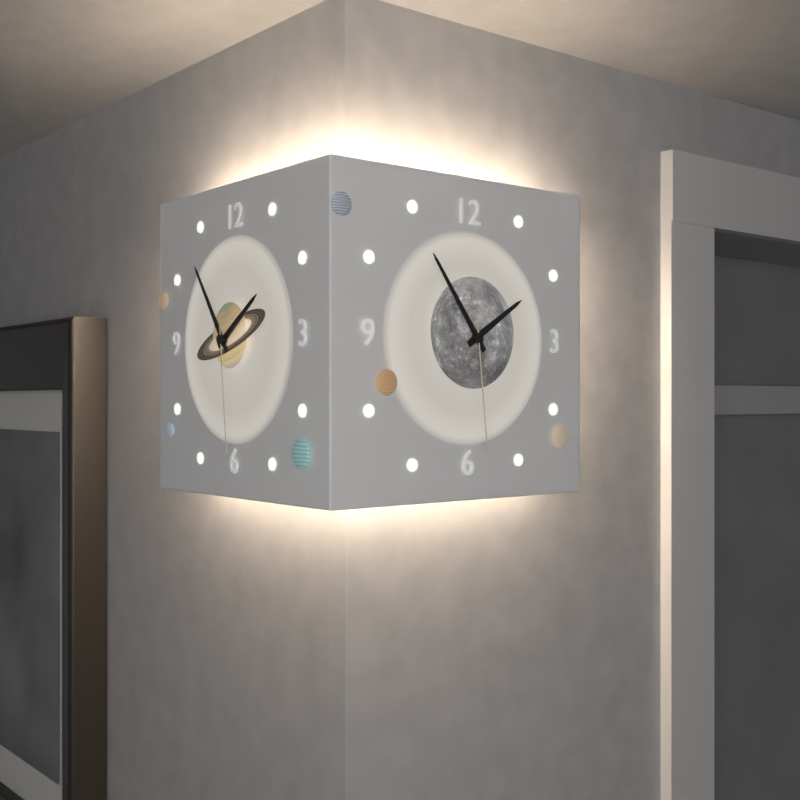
1:54:29
